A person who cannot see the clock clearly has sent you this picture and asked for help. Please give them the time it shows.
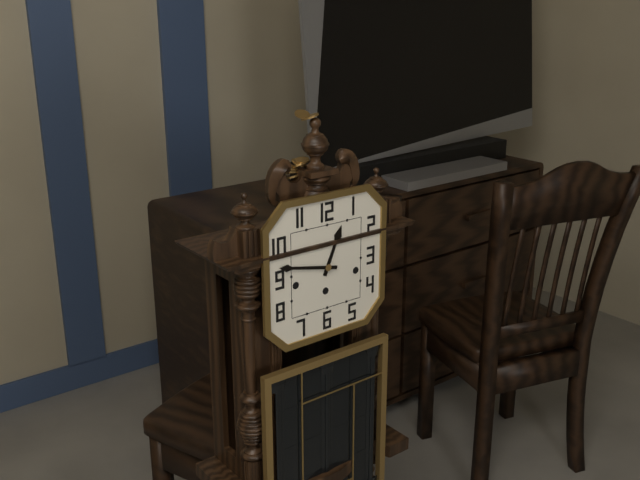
12:47
